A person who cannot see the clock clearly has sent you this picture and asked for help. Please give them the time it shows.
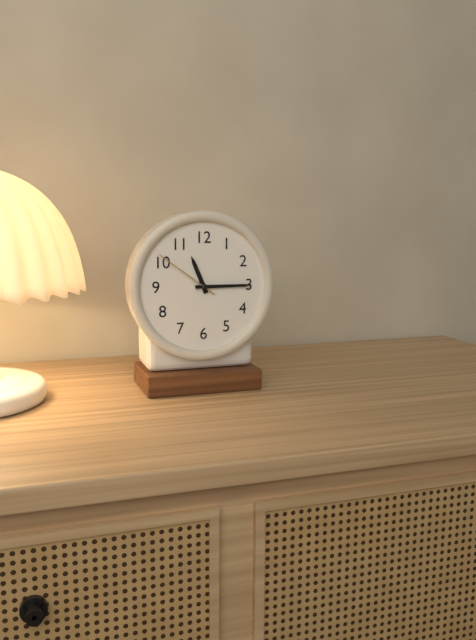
11:15:51
